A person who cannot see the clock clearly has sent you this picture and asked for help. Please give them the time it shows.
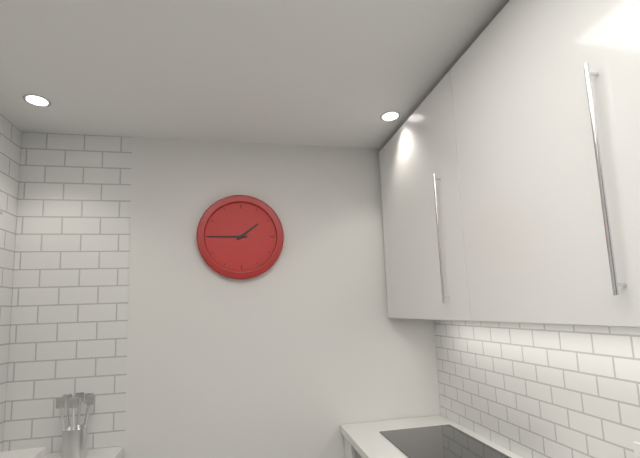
1:45
